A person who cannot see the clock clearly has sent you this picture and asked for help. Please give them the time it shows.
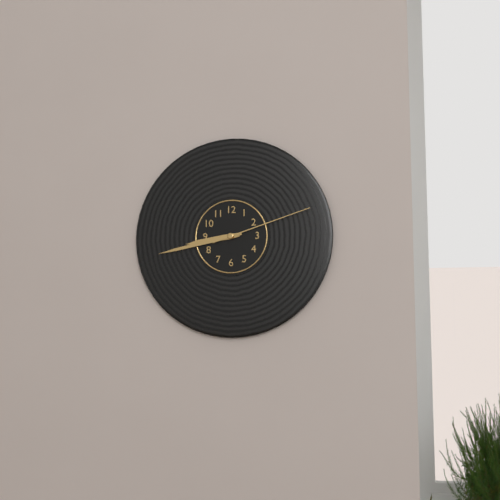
8:43:12
